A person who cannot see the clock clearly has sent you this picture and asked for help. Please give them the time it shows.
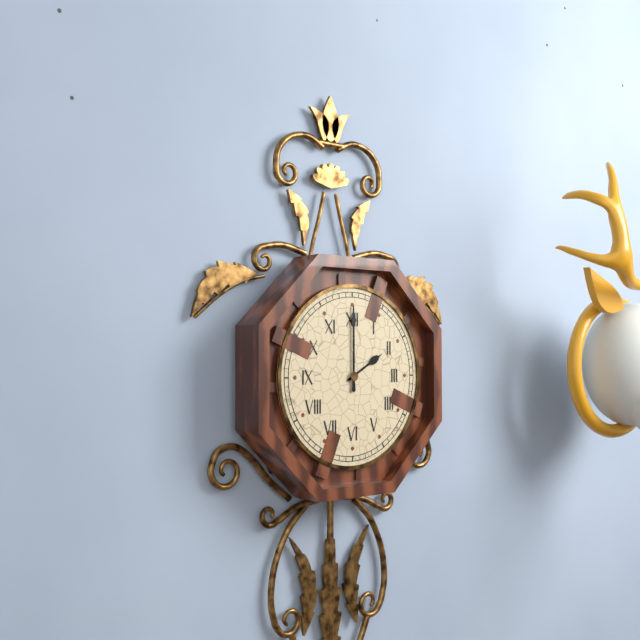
2:00
